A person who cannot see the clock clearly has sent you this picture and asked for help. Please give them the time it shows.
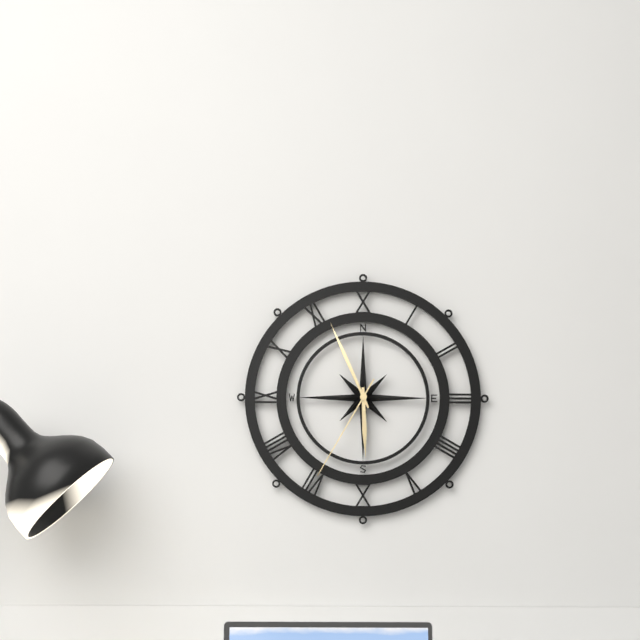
5:56:35
